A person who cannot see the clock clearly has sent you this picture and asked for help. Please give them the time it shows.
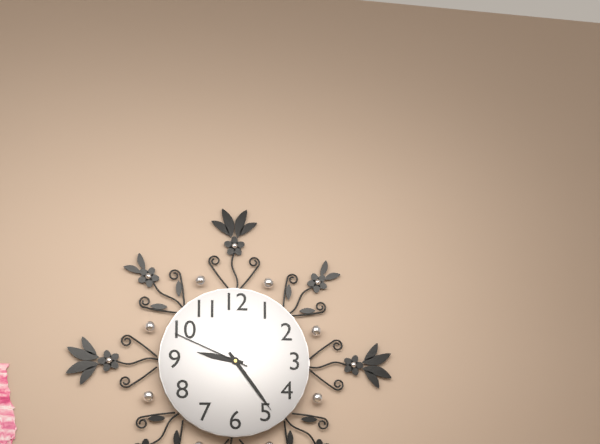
9:24:49
